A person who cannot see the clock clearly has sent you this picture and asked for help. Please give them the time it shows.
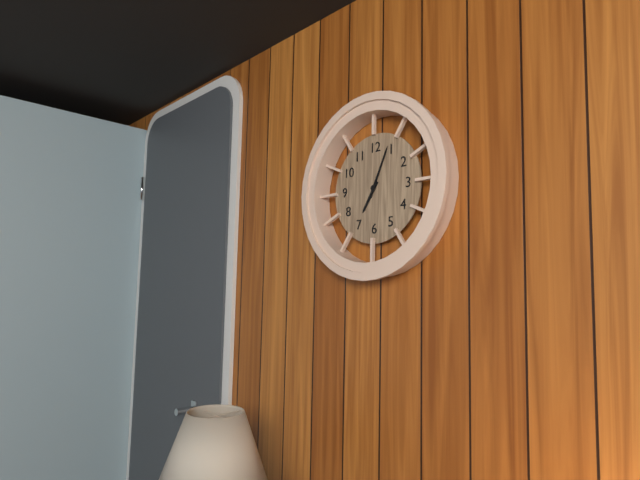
7:04
